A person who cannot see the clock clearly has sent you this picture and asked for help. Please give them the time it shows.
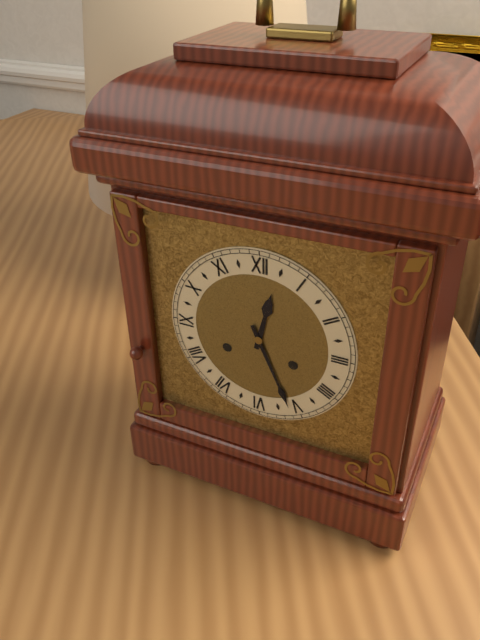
12:26
